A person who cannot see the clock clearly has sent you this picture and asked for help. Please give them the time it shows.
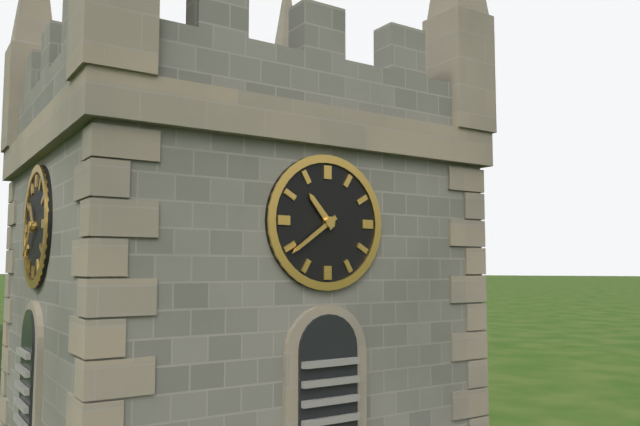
10:39
